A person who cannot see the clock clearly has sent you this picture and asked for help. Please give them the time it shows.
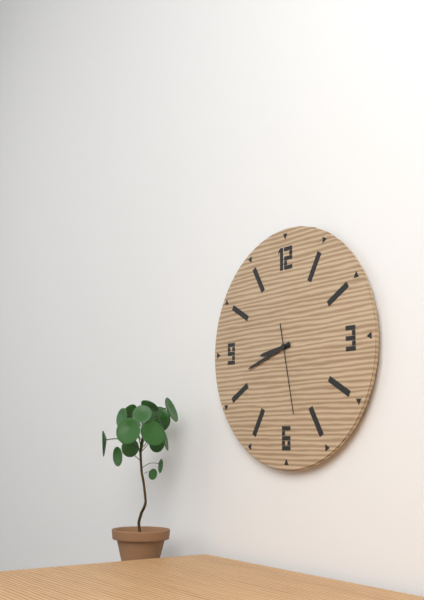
8:42:28
